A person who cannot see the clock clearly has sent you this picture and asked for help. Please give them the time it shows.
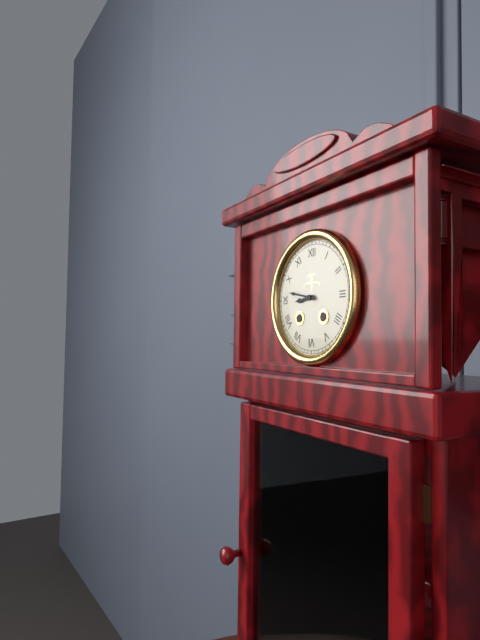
8:47
